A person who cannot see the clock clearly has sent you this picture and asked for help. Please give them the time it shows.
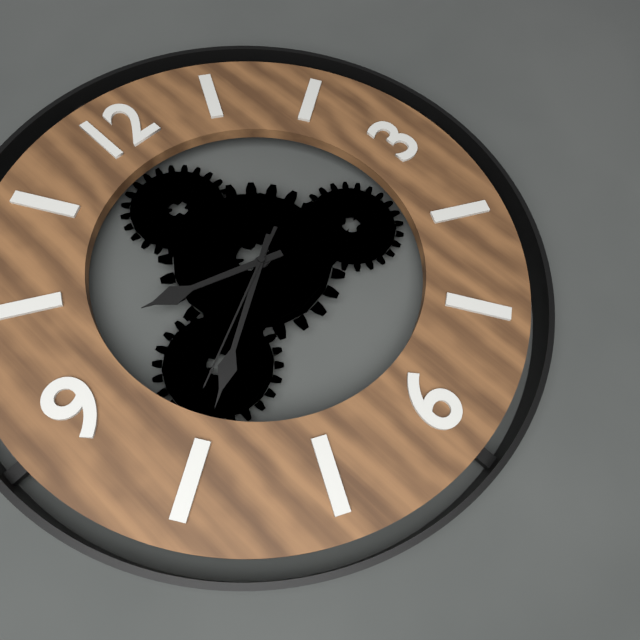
9:40:41
